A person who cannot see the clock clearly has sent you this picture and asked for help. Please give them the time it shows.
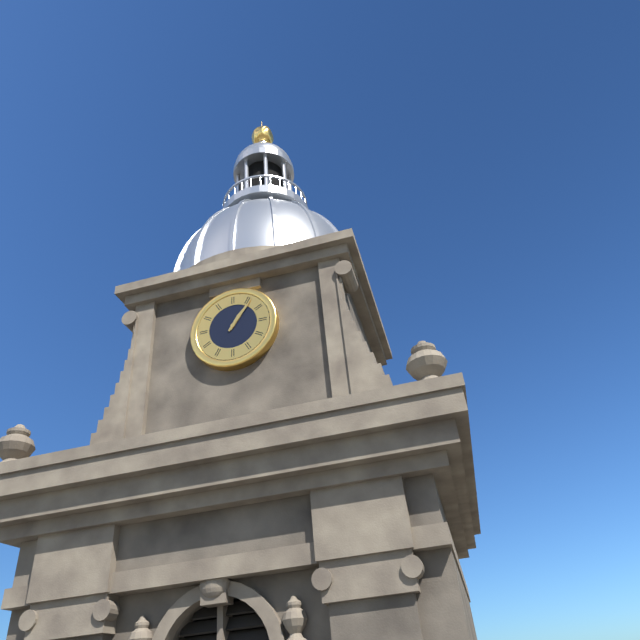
1:06
